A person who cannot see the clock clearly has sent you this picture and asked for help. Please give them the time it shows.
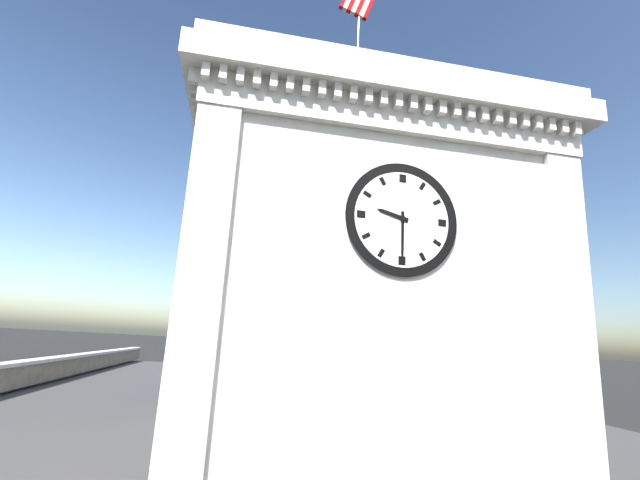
9:30
